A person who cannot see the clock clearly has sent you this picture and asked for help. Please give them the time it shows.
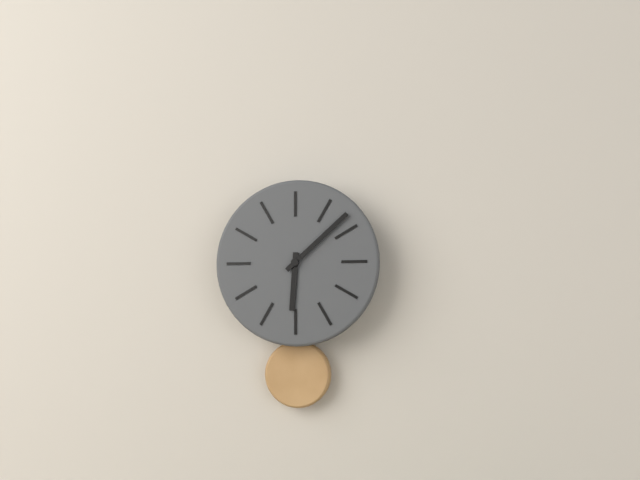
6:08
